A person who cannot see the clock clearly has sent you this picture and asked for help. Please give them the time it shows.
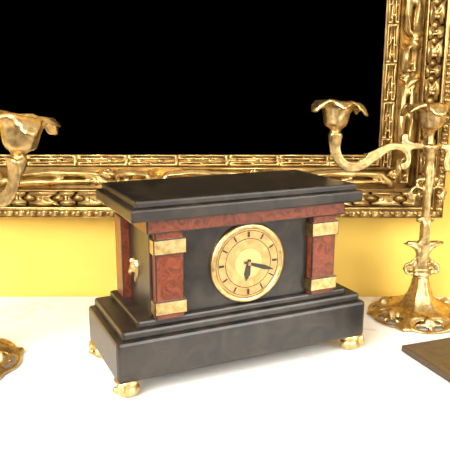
6:18
